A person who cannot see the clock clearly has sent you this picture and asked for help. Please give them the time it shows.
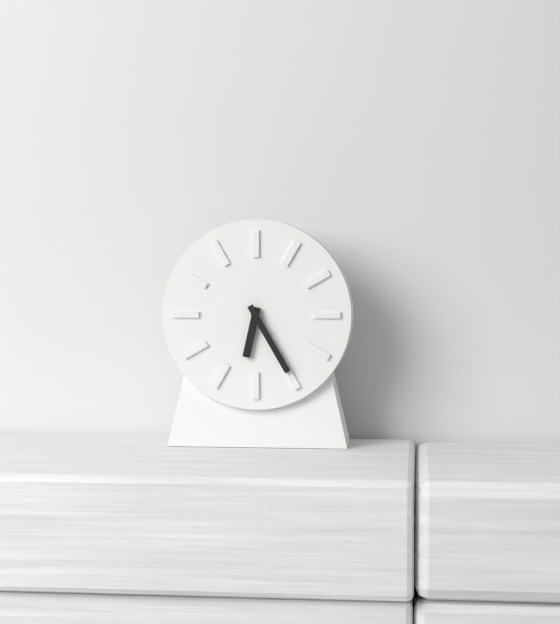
6:25
